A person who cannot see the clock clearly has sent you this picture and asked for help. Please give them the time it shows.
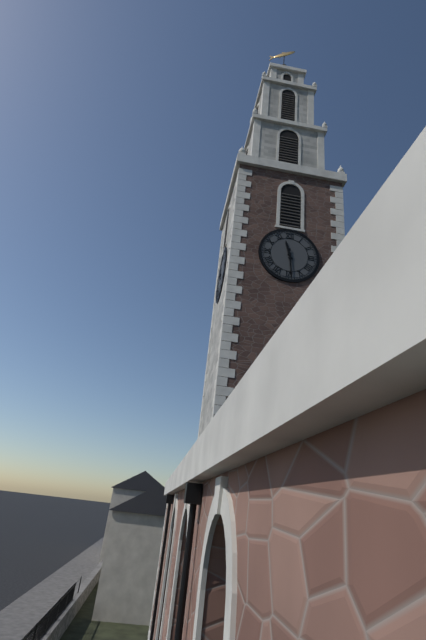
11:29
